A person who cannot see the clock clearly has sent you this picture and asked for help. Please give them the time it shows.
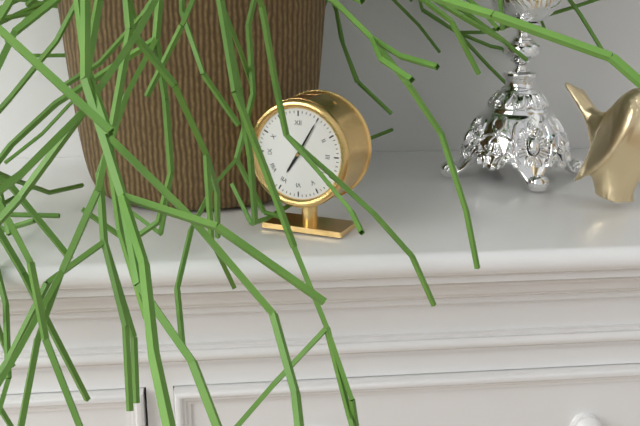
7:05
